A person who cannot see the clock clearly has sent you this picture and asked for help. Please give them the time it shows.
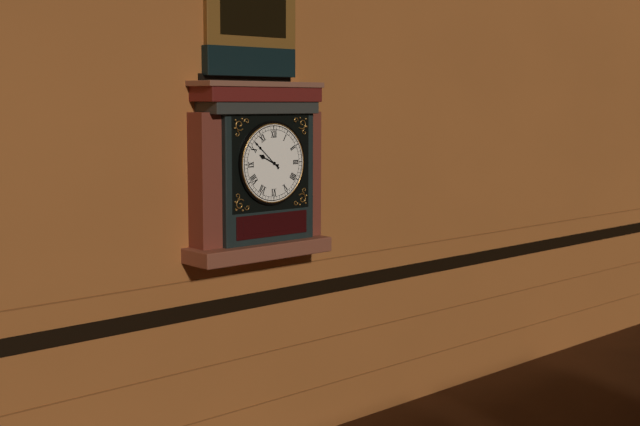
9:52
